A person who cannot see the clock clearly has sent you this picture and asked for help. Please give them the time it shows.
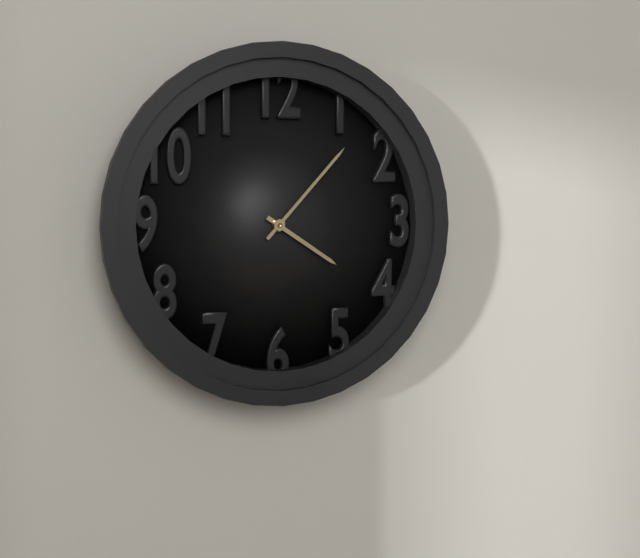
4:07
